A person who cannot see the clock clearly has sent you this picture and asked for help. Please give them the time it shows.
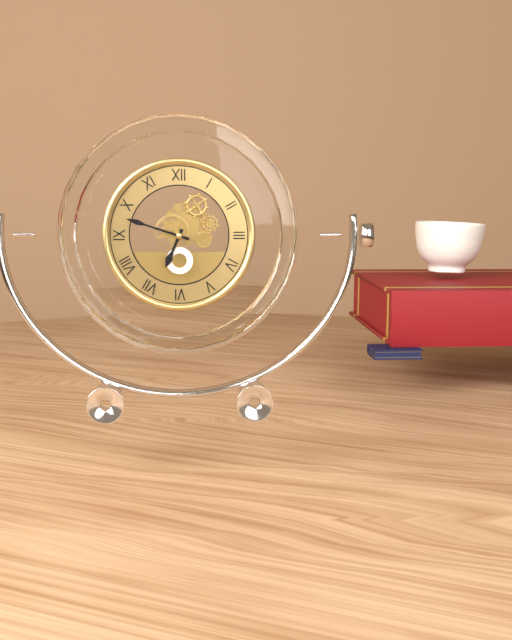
6:48
